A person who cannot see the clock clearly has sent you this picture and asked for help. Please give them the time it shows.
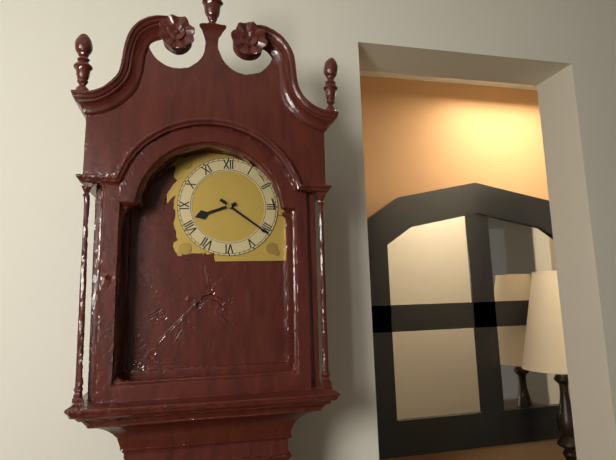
8:21
